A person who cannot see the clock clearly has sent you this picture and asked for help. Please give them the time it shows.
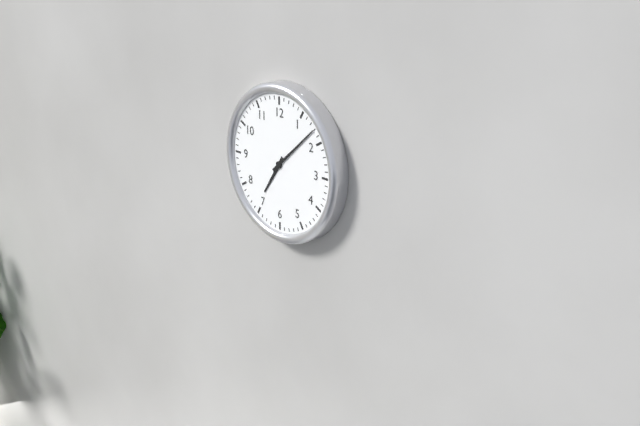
7:08
